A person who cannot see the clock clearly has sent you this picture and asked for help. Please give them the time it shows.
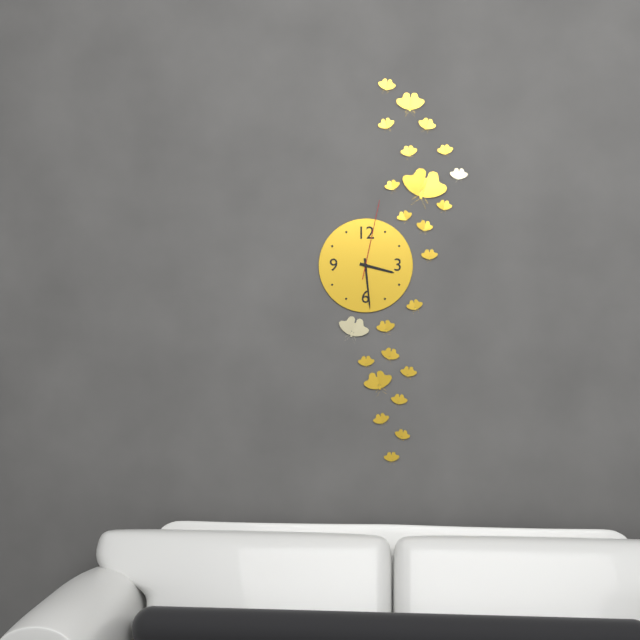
3:29:02
